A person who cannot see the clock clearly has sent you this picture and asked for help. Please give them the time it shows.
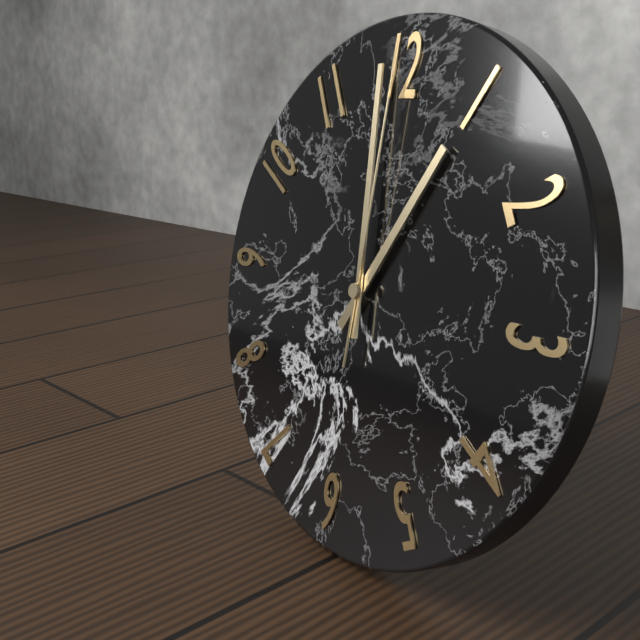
12:59:00
